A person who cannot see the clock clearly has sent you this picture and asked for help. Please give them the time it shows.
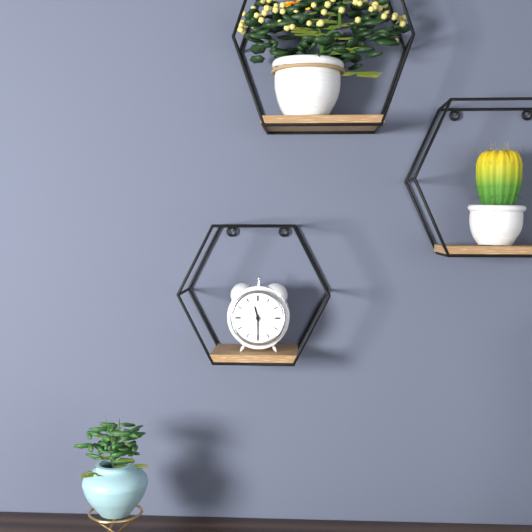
11:30
